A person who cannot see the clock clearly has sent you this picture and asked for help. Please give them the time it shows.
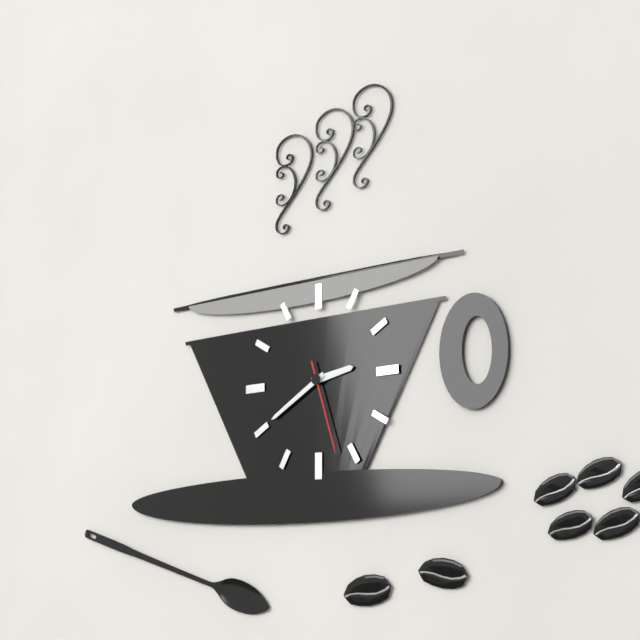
2:40:27
